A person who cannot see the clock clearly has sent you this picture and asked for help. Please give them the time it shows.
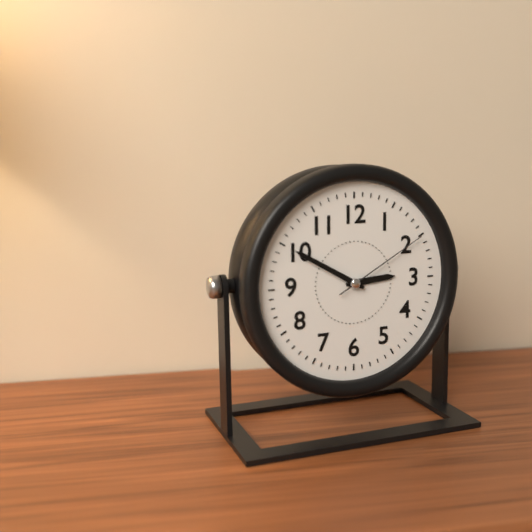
2:50:10
